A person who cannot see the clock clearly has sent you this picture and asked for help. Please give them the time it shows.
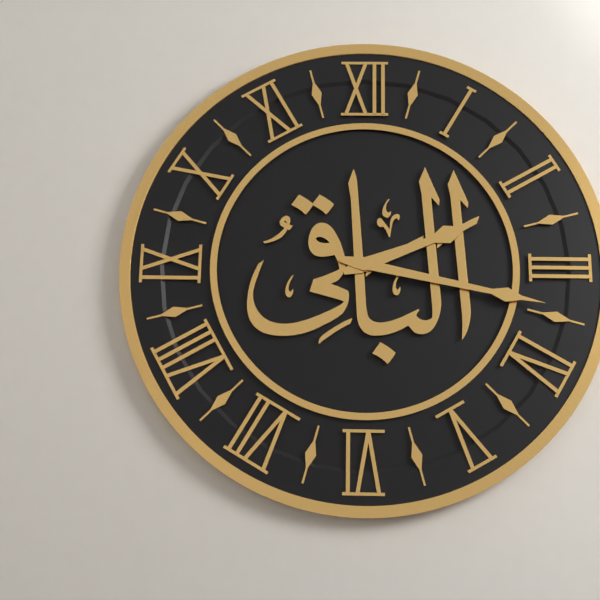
2:17
